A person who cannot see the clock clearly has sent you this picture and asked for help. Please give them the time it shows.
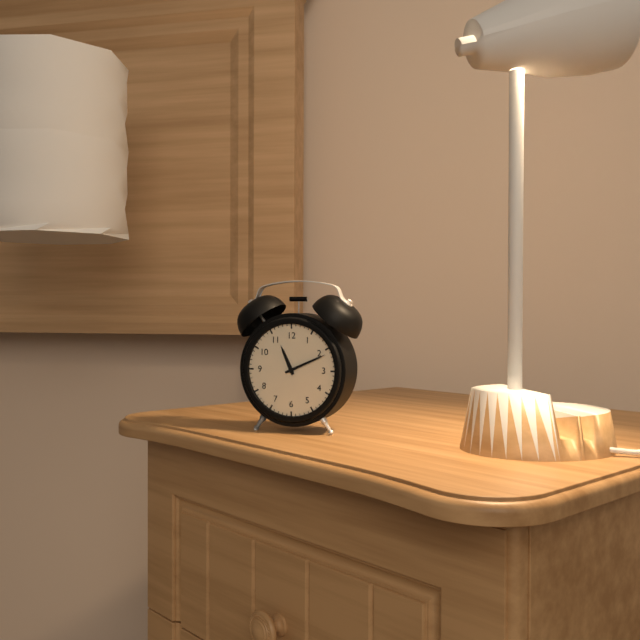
11:11
